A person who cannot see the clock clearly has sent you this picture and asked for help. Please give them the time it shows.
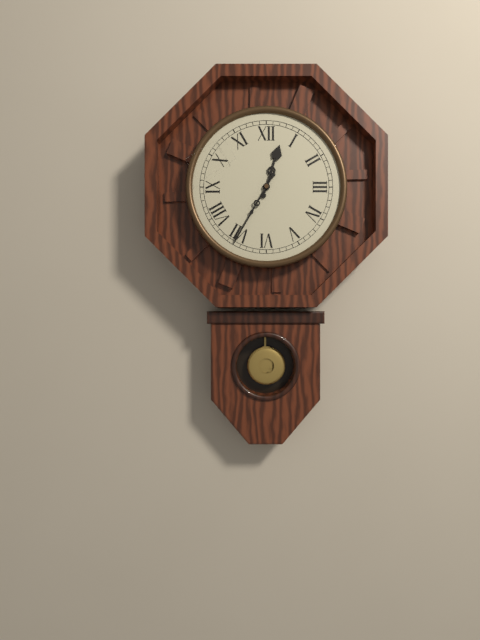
12:35
